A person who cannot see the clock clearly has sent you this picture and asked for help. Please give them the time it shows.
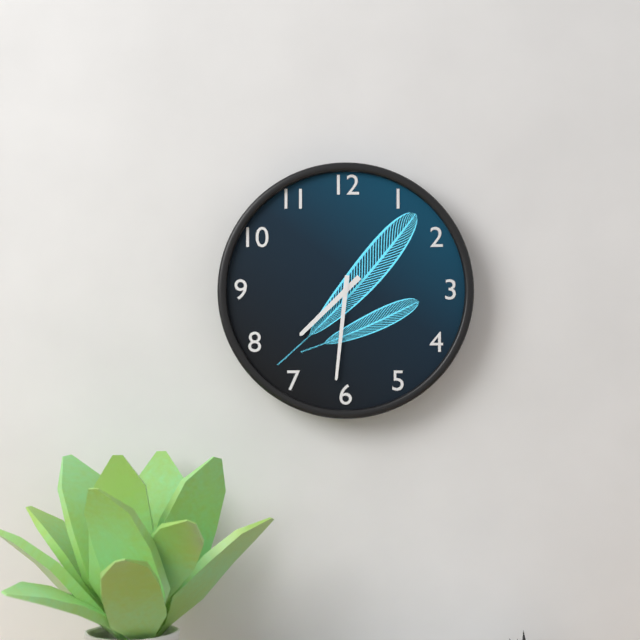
7:31
